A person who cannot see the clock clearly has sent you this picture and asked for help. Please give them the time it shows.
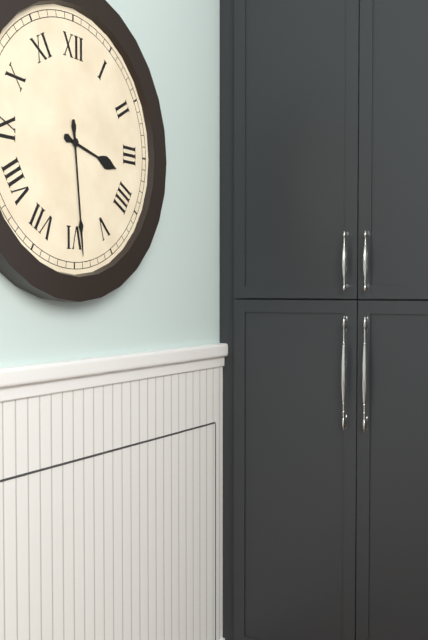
3:29
